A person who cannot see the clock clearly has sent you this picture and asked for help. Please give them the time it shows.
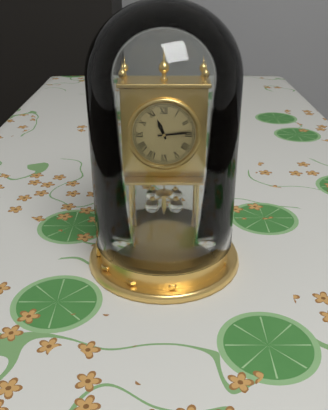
11:14
